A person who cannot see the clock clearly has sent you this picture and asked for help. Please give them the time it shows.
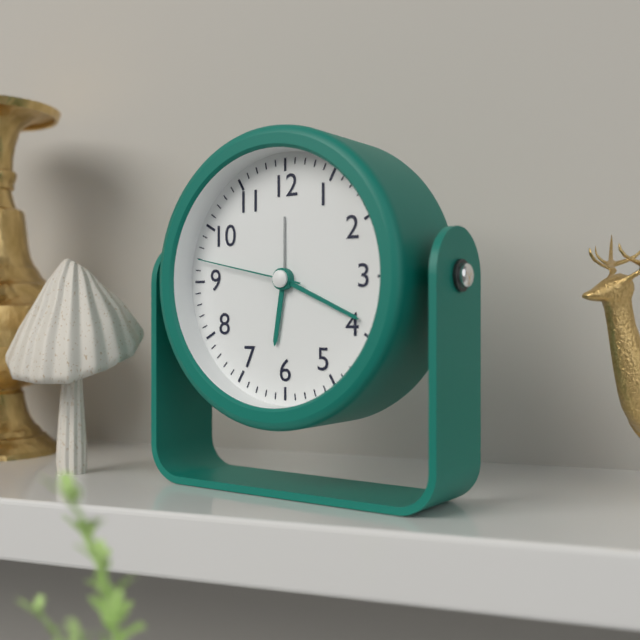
6:19:47
